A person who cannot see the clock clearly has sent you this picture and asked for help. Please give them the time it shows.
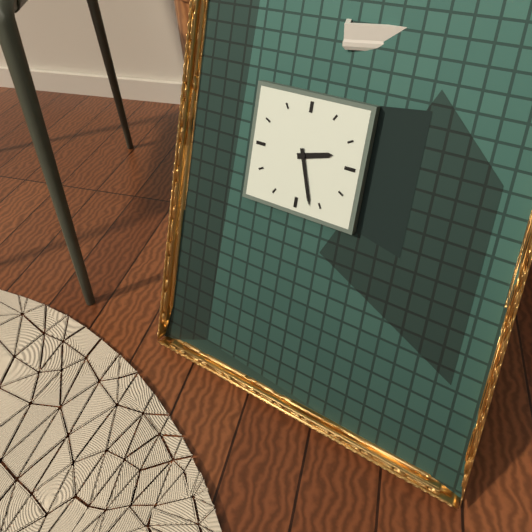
2:27
